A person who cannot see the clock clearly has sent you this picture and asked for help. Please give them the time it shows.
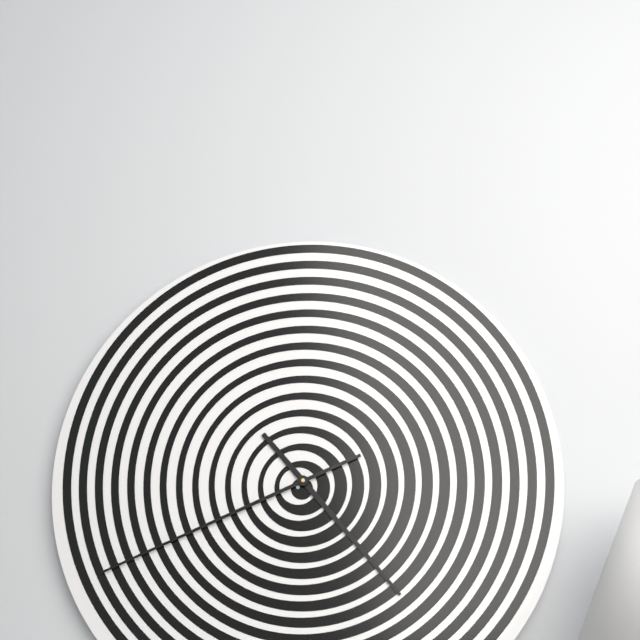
4:41
